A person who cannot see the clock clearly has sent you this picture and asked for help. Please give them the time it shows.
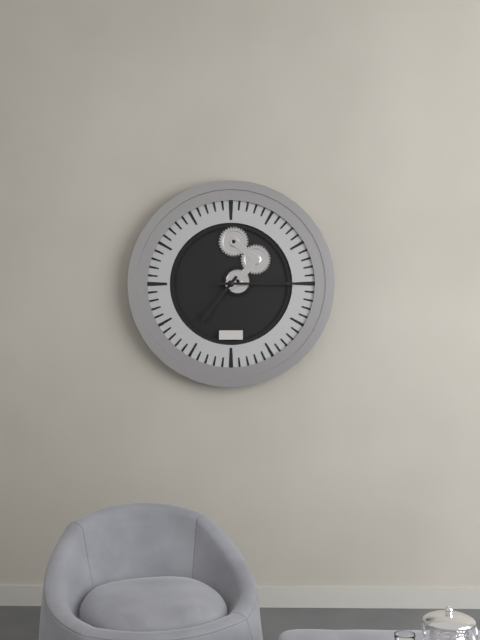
7:15
